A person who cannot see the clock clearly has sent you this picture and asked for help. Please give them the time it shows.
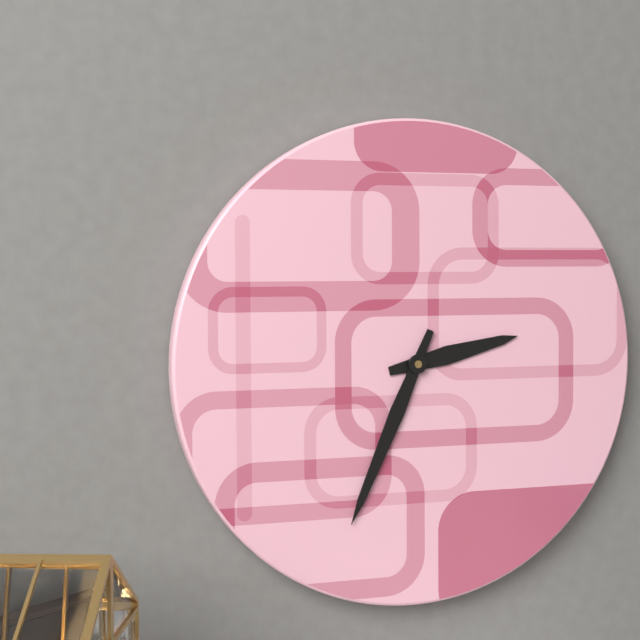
2:34
